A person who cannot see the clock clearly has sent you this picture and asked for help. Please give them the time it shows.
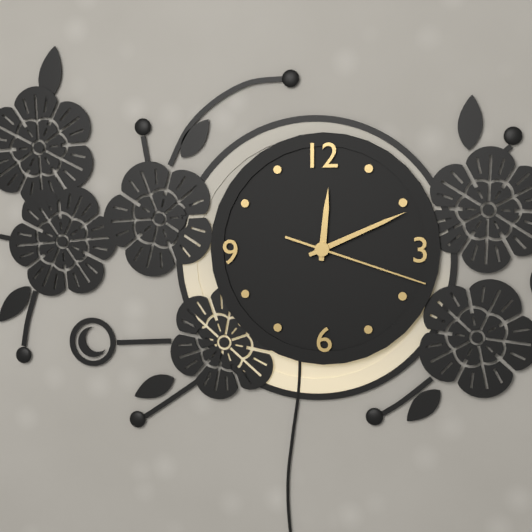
12:11:18
